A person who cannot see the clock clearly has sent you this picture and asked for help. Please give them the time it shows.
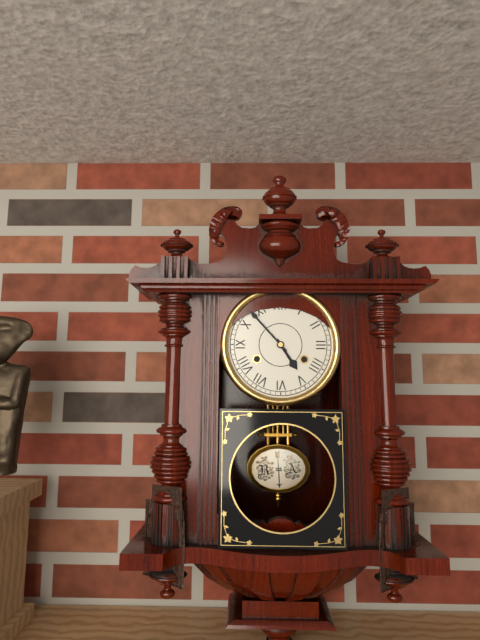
4:53
